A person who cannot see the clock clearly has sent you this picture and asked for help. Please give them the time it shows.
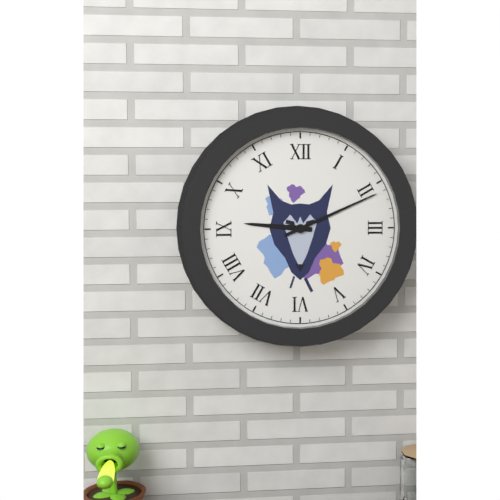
9:11
